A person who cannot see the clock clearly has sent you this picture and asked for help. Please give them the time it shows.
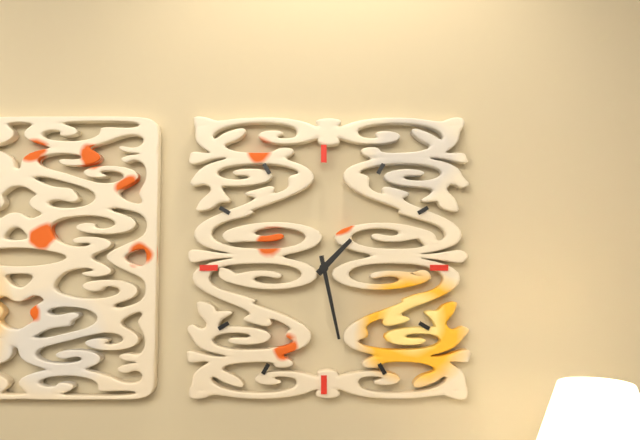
1:28
